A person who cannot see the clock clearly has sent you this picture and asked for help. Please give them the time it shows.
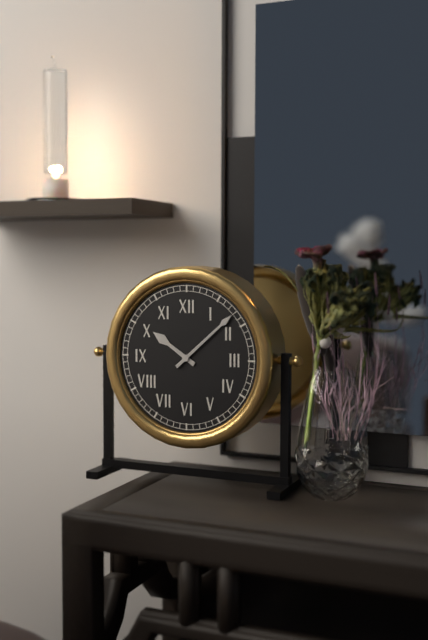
10:08
